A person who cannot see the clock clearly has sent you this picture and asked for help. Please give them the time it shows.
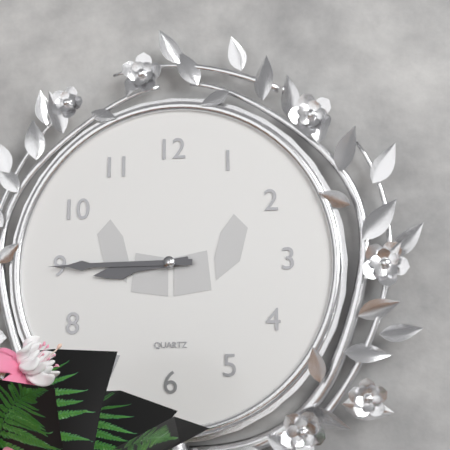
8:45
